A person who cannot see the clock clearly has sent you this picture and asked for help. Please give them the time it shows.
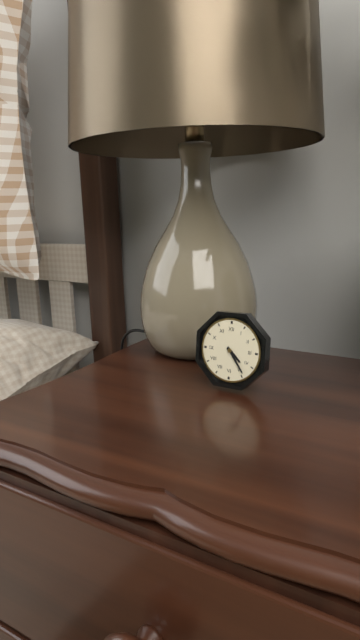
4:24
